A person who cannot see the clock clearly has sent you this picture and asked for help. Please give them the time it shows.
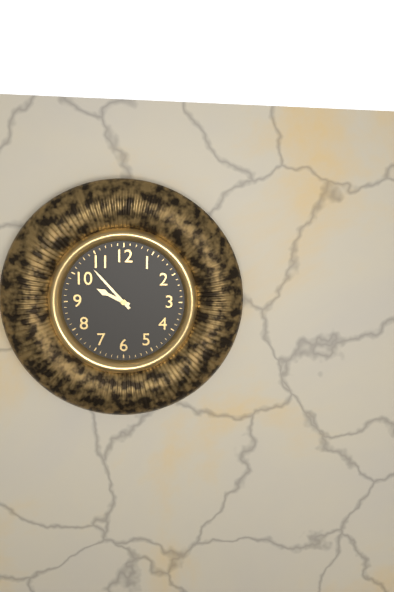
9:53
